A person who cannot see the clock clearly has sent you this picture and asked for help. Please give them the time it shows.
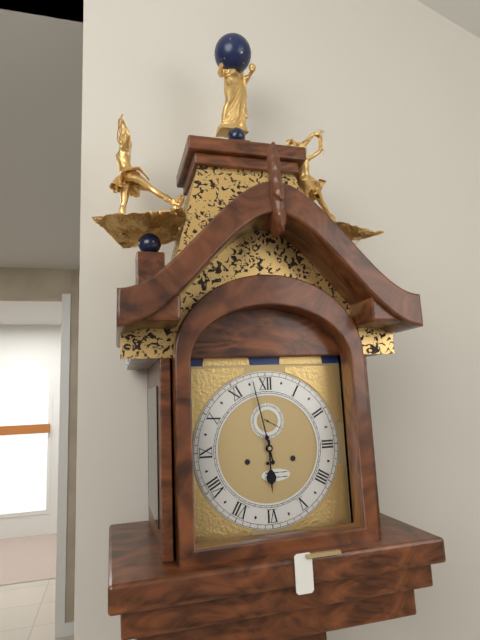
5:58
